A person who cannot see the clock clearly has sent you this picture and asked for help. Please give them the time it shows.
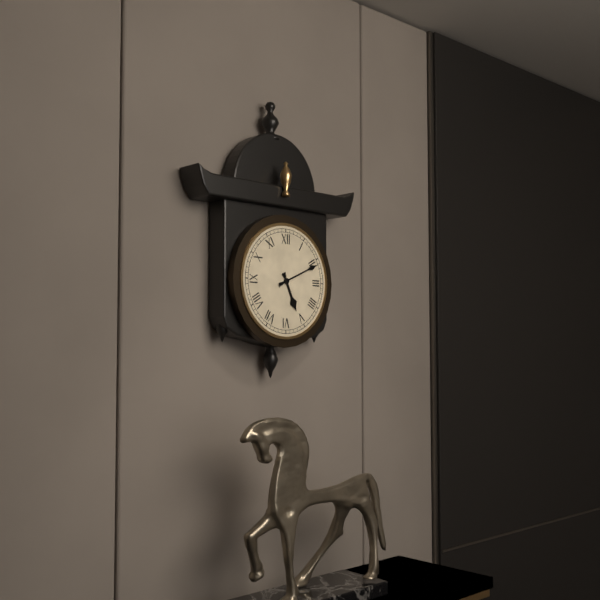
5:11
